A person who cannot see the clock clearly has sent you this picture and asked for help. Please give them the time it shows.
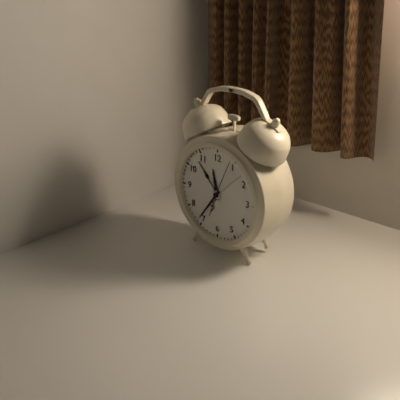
11:36
